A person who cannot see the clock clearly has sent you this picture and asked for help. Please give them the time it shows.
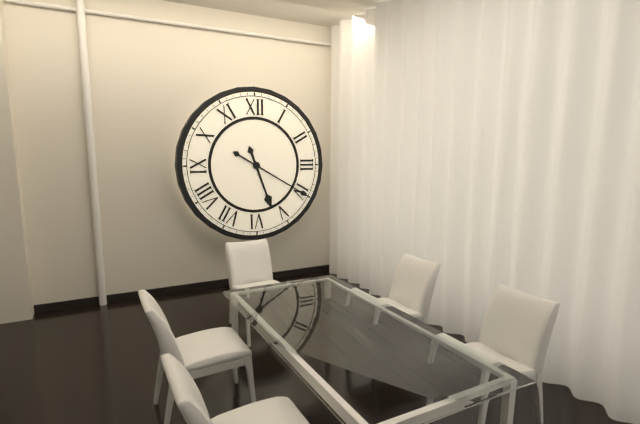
5:20
